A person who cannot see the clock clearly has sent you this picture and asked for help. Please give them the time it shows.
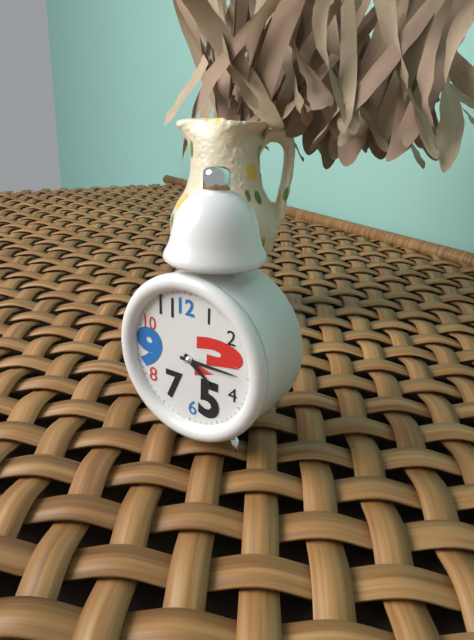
4:15
